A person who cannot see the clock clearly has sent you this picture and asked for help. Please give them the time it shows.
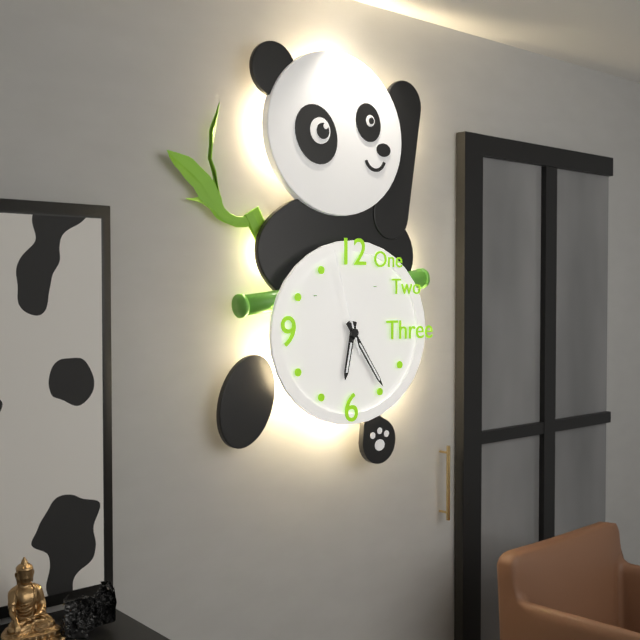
6:24:57
